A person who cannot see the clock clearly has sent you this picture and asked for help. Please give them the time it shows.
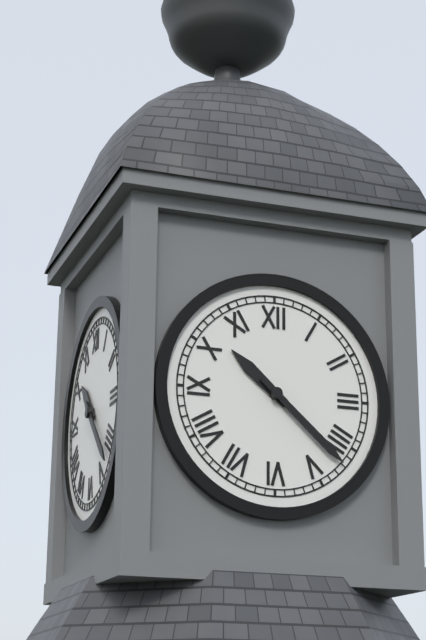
10:22
